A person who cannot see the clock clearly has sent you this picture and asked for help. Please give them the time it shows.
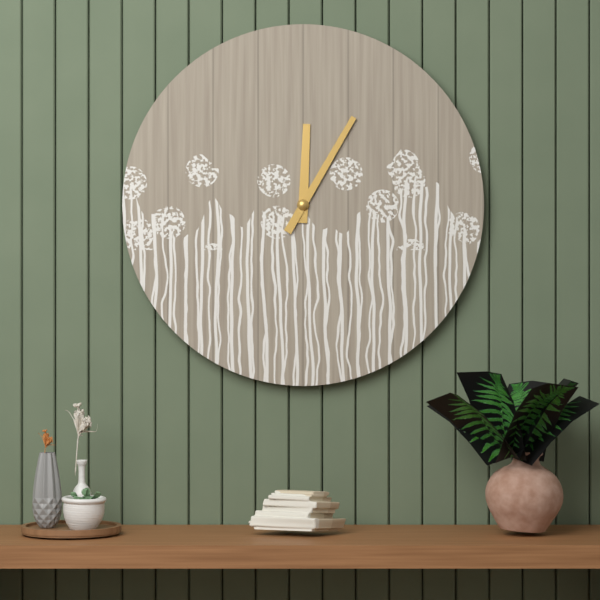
12:05
